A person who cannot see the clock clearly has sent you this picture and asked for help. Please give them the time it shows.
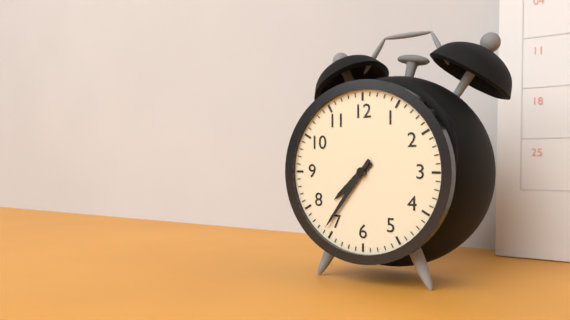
7:36
